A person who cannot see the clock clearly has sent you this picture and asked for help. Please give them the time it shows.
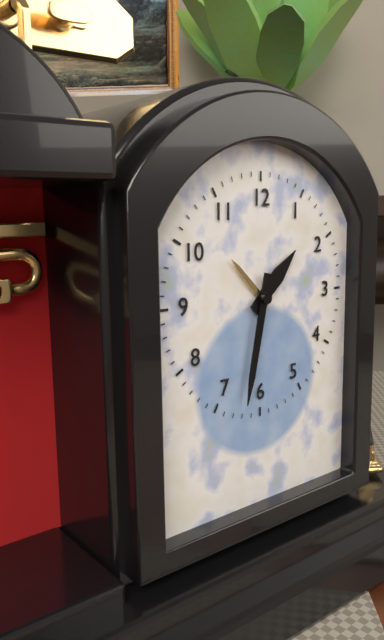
1:32
